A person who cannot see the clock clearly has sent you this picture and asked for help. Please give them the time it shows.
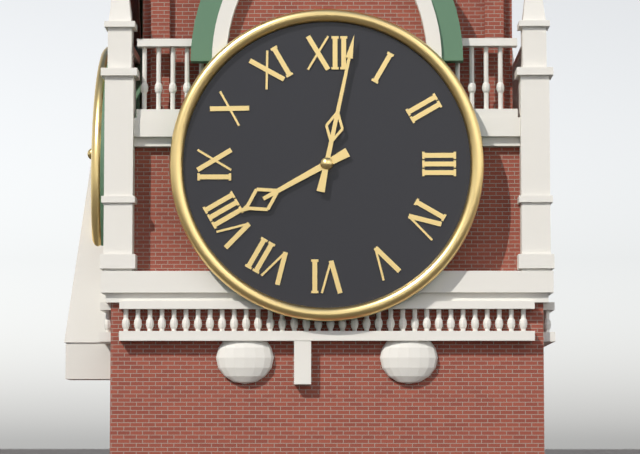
8:02
